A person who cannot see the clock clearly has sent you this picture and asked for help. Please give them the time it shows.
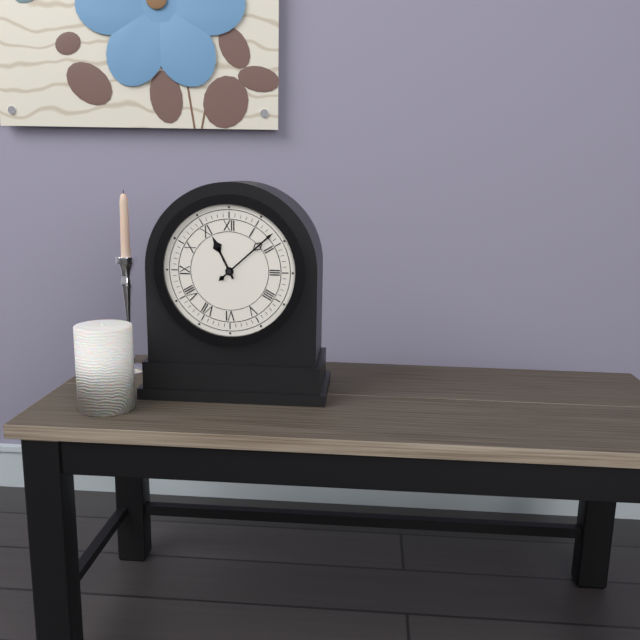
11:08
